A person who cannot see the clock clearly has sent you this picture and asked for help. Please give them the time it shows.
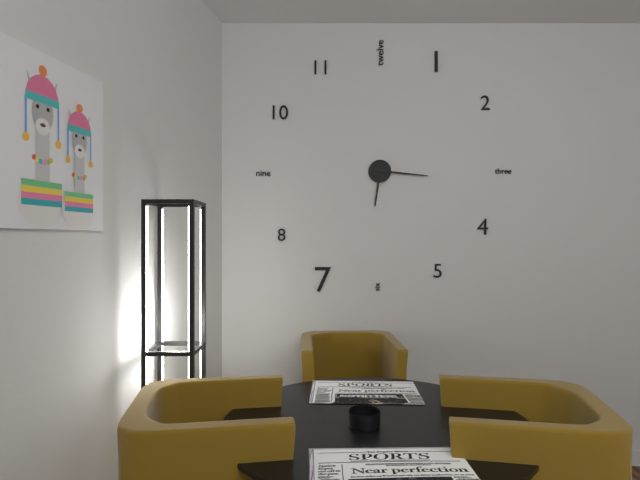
6:16
